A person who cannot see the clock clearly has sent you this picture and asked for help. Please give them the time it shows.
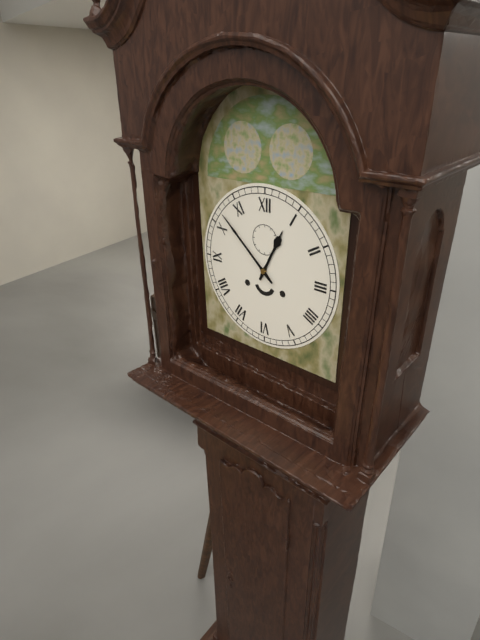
12:52
